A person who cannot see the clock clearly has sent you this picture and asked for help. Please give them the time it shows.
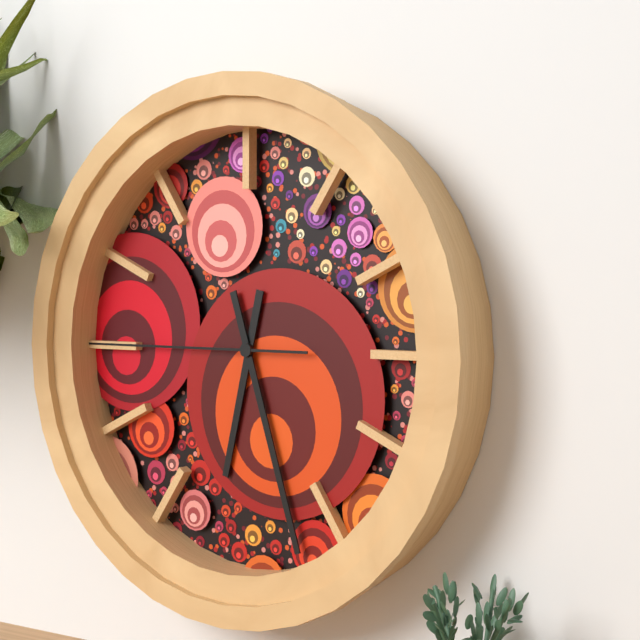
6:27:45
